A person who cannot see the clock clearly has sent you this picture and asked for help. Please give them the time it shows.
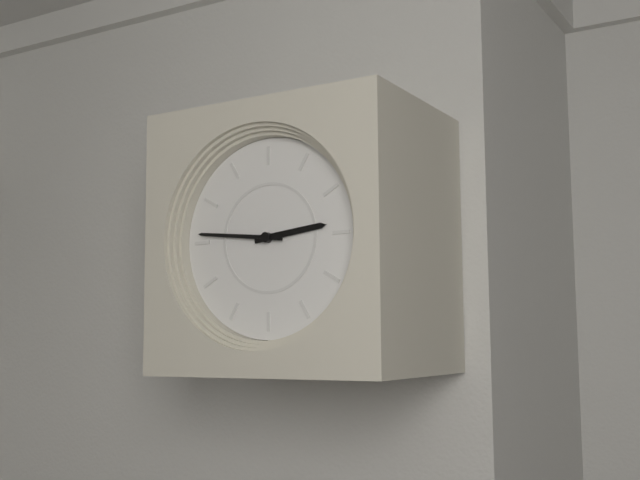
2:46
